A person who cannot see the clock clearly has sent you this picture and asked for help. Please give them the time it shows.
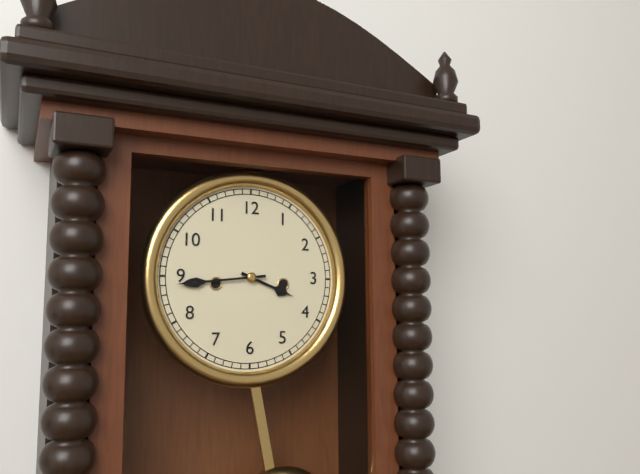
3:44
